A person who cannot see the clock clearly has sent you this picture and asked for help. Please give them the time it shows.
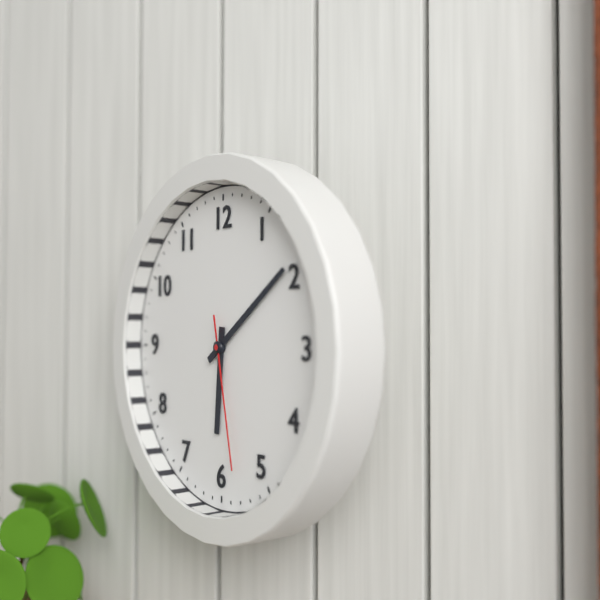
6:09:28
